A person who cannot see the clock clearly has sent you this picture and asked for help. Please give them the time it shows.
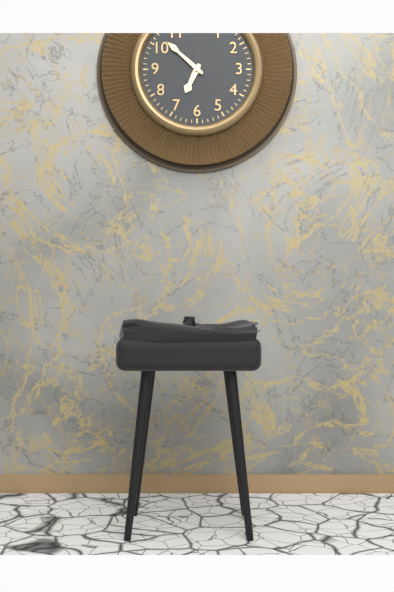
6:52
